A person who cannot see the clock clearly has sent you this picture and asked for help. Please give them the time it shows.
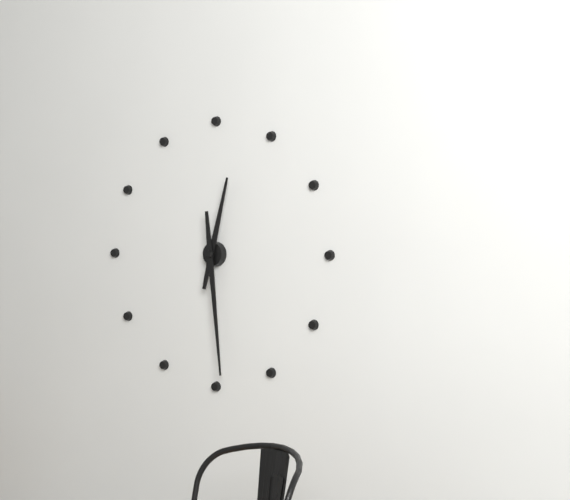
12:29
